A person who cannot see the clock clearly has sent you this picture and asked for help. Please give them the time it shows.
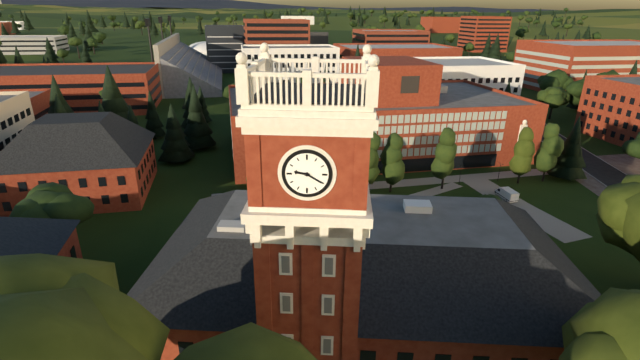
9:20
